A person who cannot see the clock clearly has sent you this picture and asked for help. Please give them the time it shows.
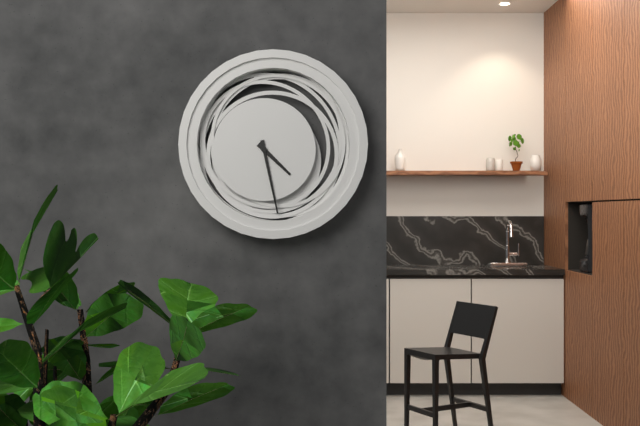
4:28
